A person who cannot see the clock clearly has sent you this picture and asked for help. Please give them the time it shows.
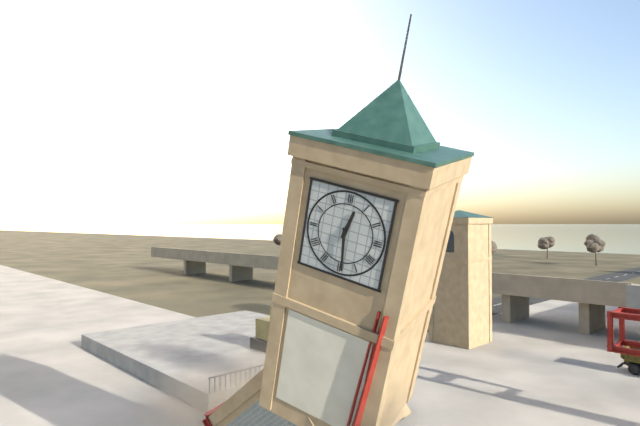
12:29
